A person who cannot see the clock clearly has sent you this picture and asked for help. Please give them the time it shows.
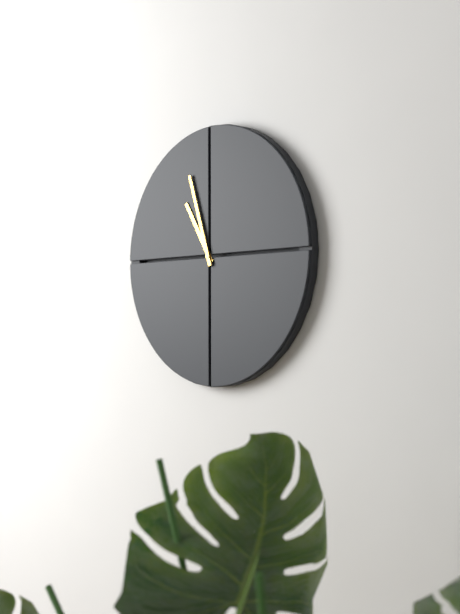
10:57
